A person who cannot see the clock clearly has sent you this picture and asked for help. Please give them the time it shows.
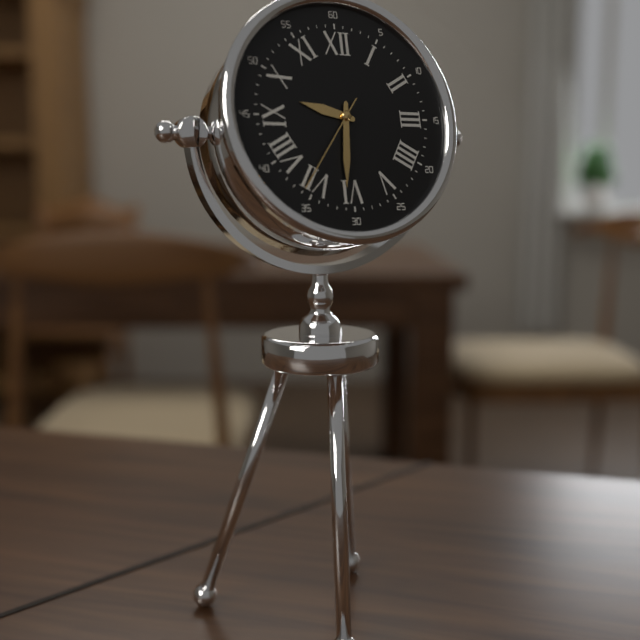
9:31:36
